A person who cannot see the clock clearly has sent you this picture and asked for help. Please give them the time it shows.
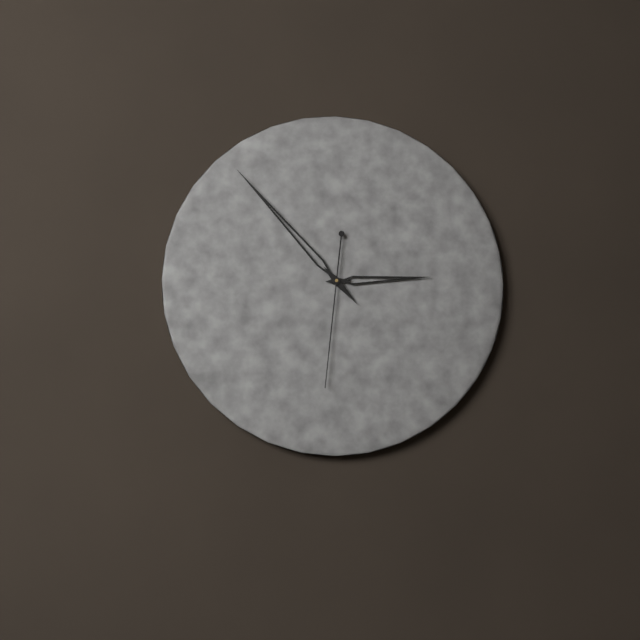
2:53:31
